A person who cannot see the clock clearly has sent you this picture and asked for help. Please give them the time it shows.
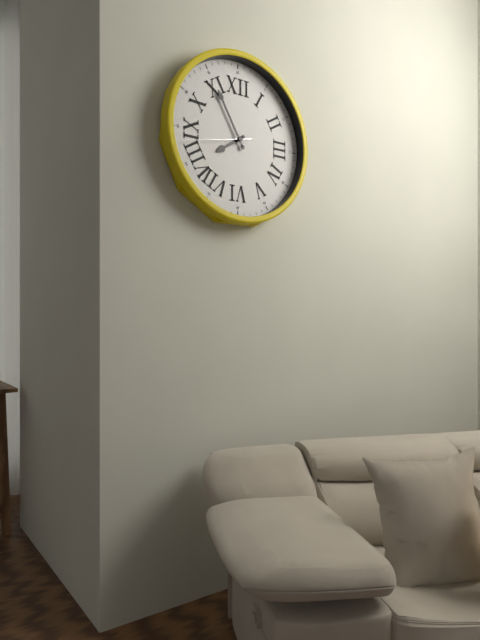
7:55:43
